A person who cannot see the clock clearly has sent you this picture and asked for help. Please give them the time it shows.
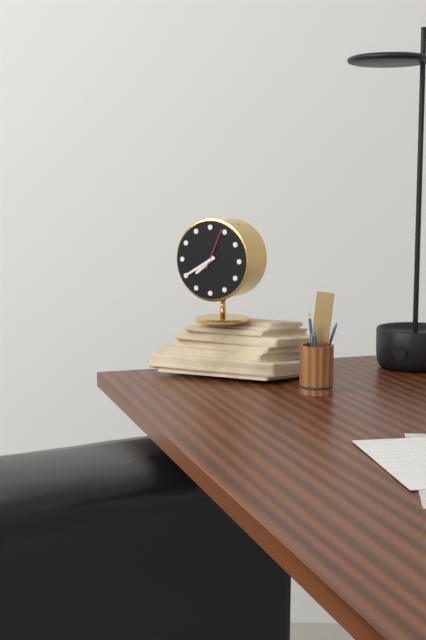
7:40
